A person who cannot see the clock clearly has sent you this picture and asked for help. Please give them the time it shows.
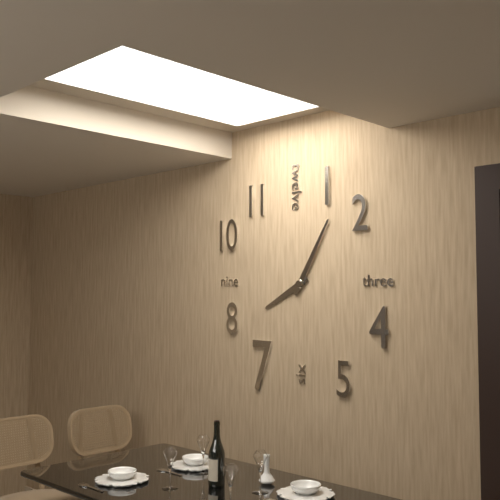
8:05
